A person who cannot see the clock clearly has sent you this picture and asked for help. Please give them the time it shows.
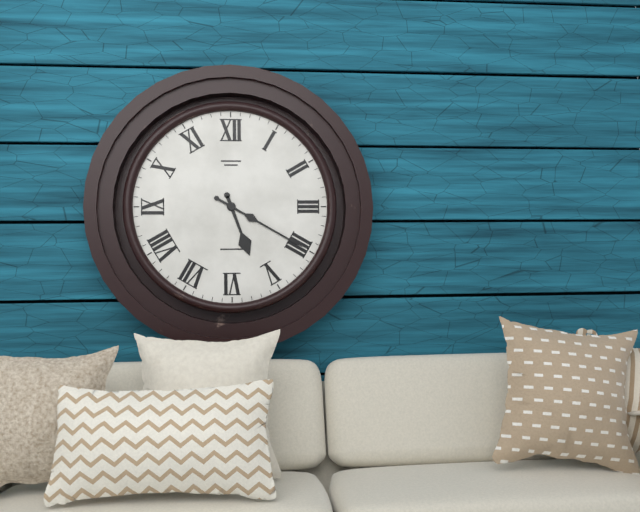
5:20
